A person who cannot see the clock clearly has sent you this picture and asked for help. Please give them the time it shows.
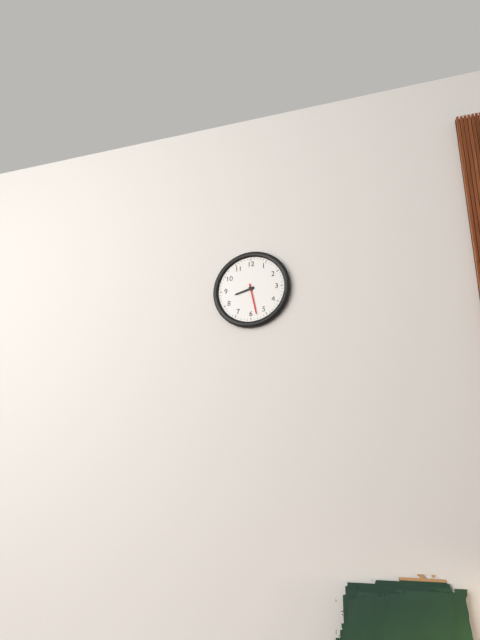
8:28
